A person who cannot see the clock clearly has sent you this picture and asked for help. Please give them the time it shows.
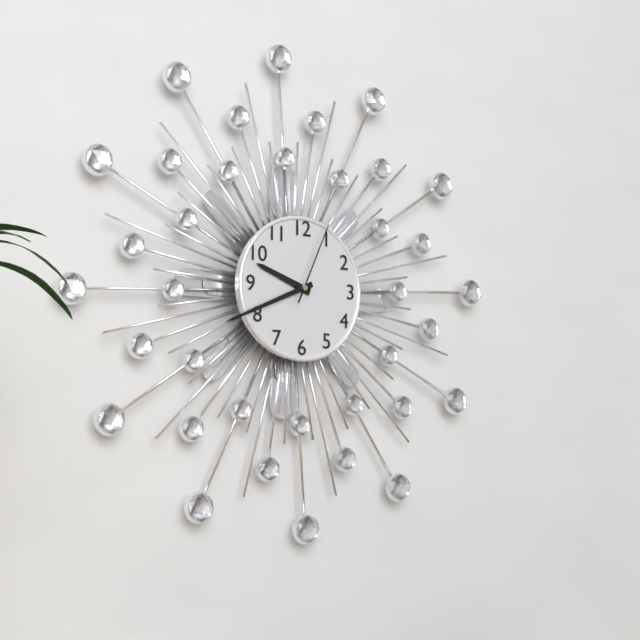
9:41:04
